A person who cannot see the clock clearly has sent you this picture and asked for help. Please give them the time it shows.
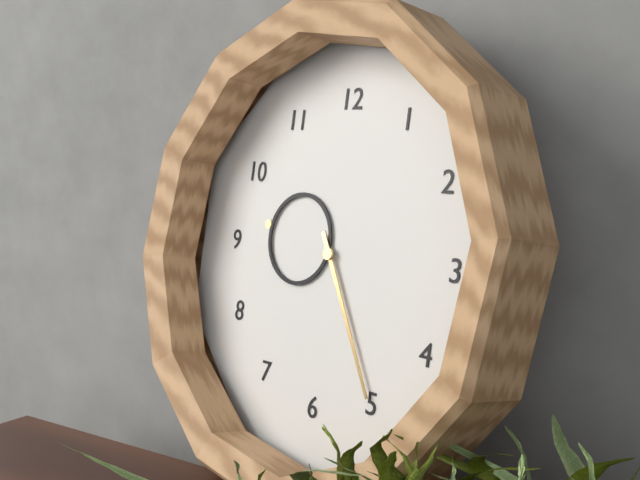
9:25
